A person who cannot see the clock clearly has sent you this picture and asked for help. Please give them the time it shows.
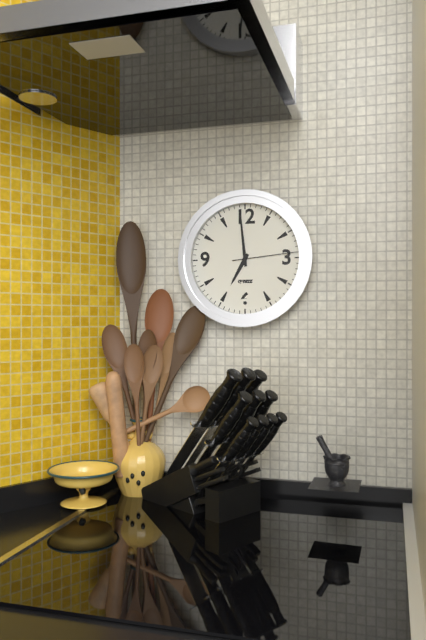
6:59:14
